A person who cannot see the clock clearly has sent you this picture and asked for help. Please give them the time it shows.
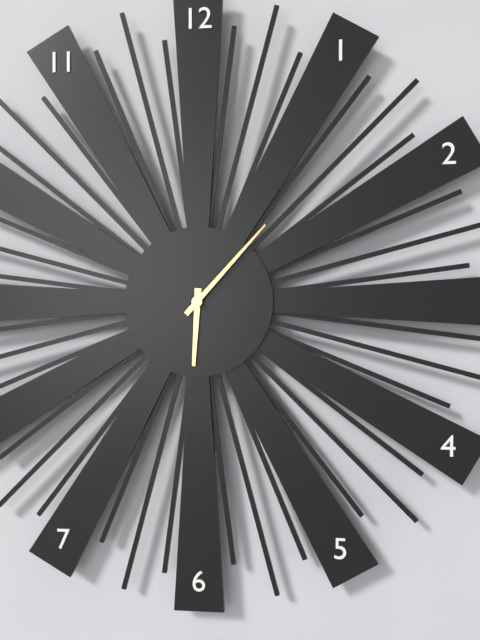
6:07
